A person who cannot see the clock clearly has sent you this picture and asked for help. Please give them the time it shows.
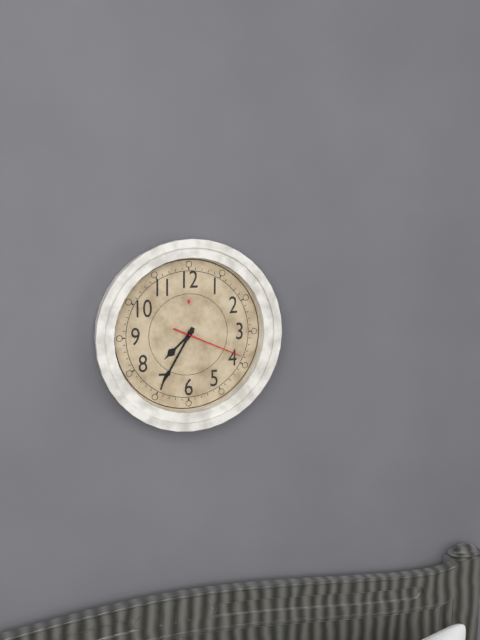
7:35:19
